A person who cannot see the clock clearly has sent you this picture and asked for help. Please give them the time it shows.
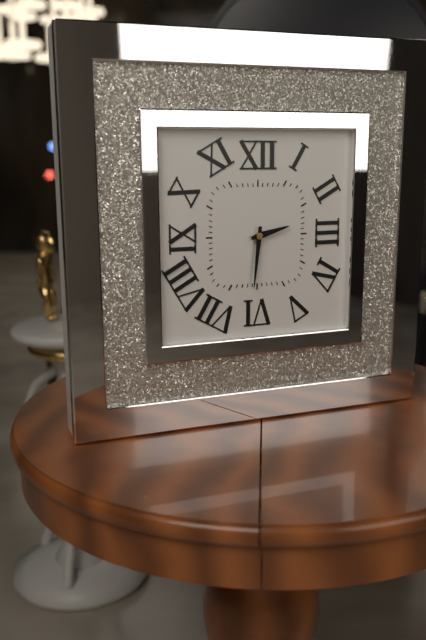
2:31
